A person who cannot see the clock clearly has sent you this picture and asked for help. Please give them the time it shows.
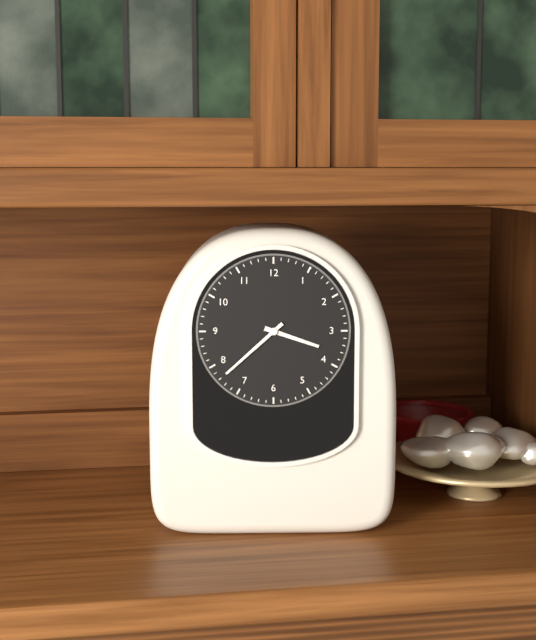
3:38
